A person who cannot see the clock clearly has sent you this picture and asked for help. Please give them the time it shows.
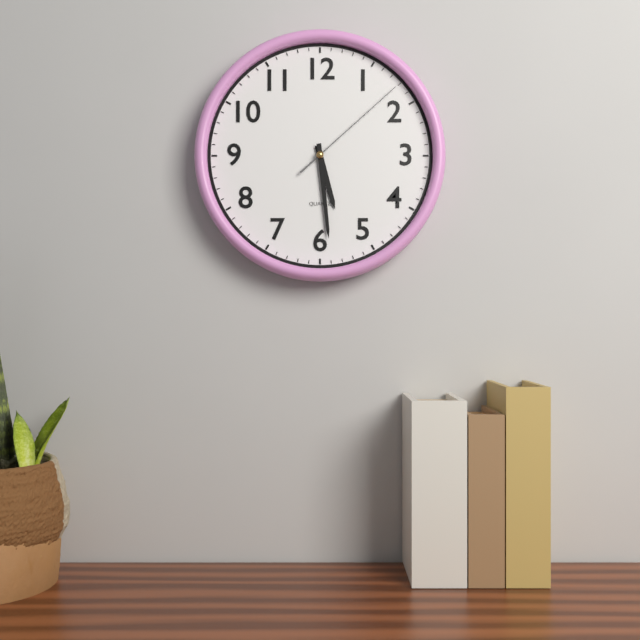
5:29:08
